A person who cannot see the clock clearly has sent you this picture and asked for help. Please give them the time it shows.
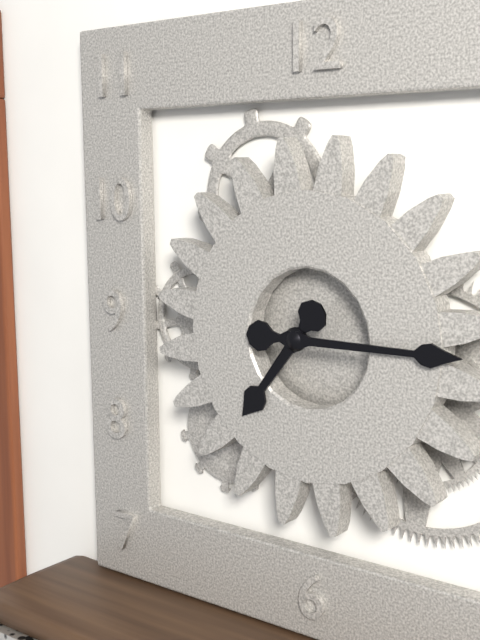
7:15
